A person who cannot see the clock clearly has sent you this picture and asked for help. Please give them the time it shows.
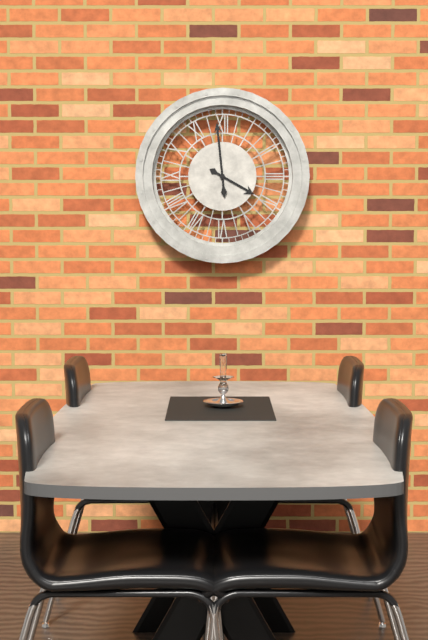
3:59
